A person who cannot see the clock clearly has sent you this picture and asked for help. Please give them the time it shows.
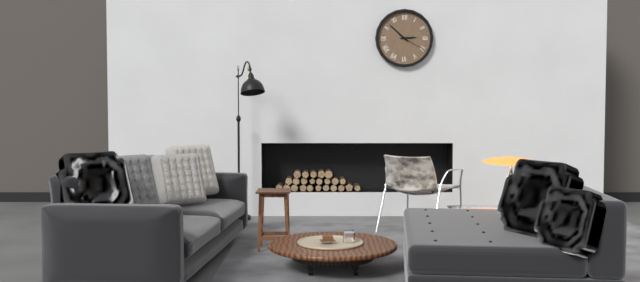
2:52
